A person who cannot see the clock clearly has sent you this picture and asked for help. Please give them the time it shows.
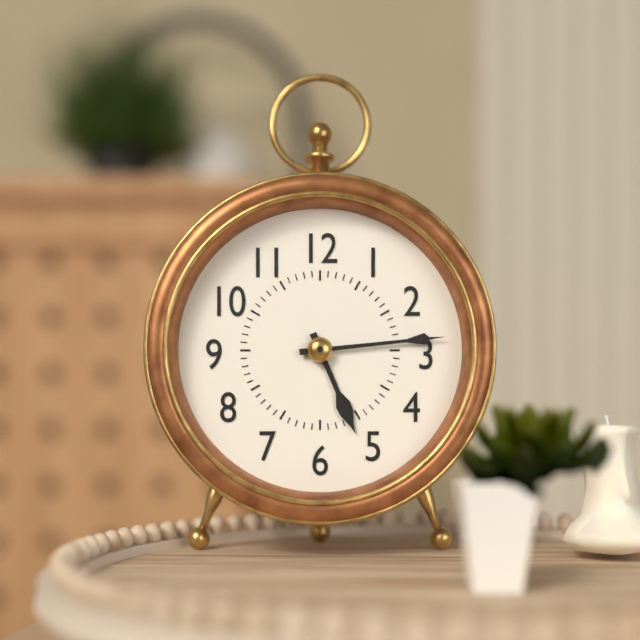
5:14
